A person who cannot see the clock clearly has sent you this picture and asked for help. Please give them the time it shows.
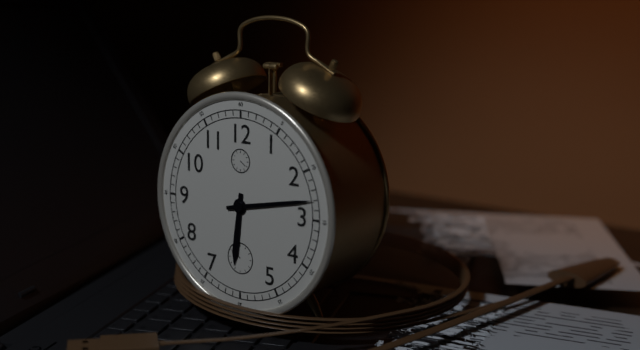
6:13
